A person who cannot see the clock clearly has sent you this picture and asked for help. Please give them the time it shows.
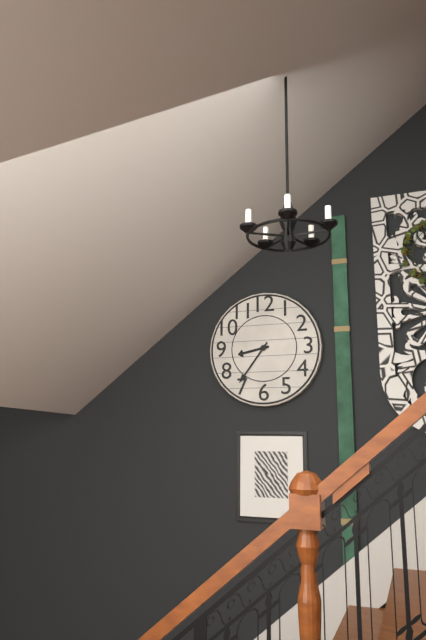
8:36
